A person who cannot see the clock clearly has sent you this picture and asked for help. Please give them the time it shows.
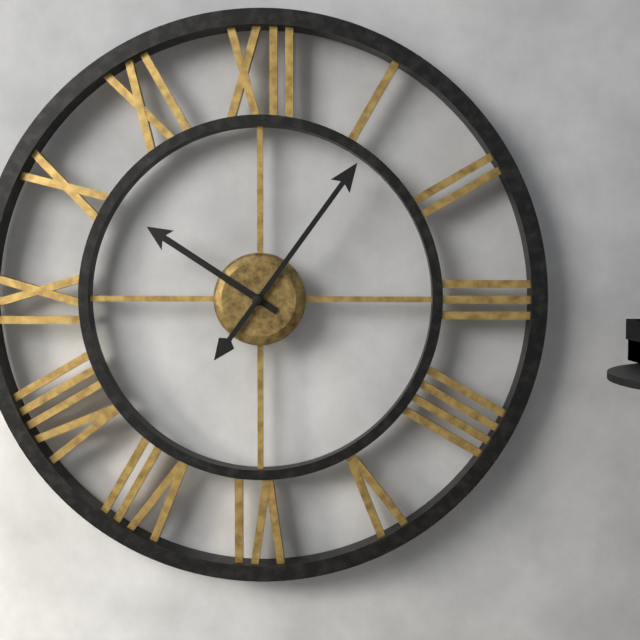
10:06
